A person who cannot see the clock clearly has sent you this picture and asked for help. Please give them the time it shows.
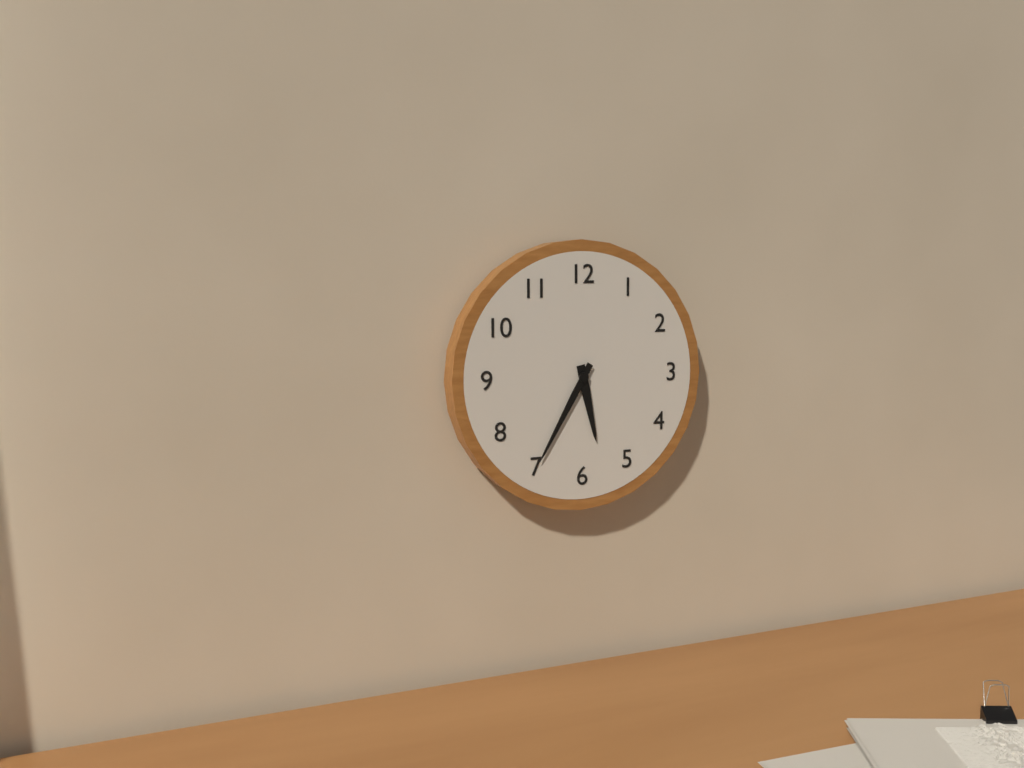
5:35
